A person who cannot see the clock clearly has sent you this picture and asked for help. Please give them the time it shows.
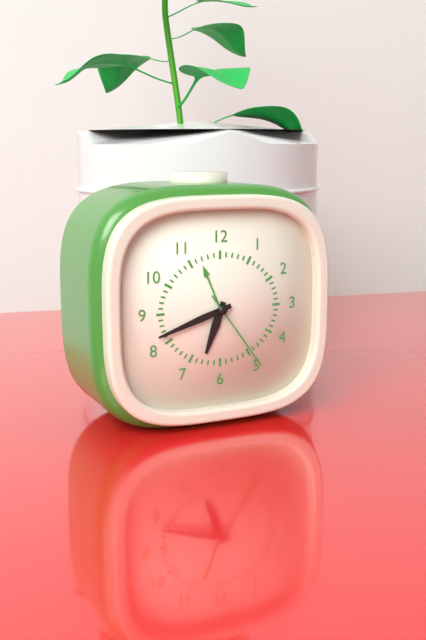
6:42:24
